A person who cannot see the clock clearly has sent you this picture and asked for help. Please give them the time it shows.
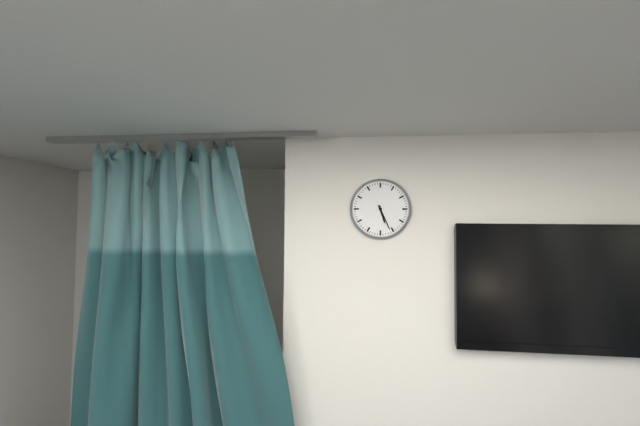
5:26
